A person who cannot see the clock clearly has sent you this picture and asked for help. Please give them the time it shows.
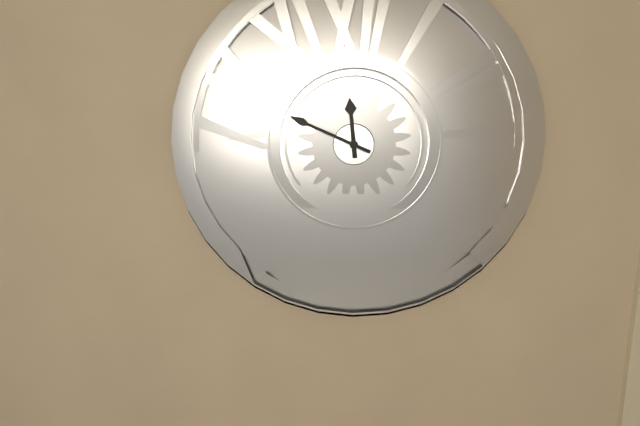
11:49
